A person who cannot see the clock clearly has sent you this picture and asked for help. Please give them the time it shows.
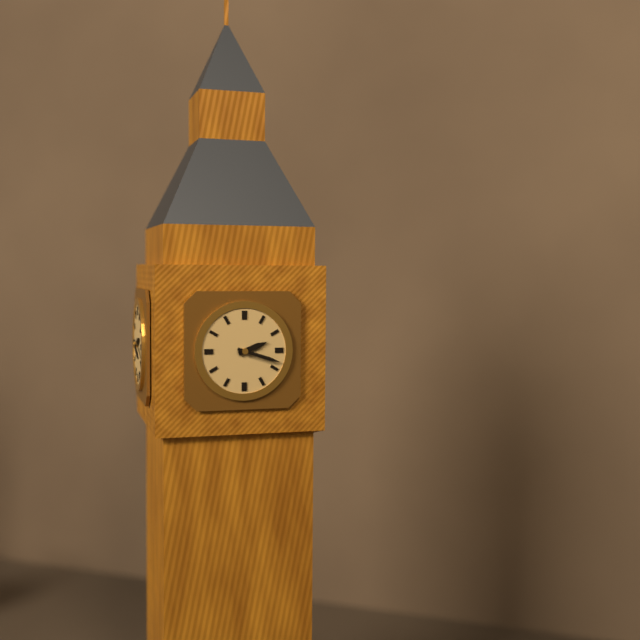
2:18
